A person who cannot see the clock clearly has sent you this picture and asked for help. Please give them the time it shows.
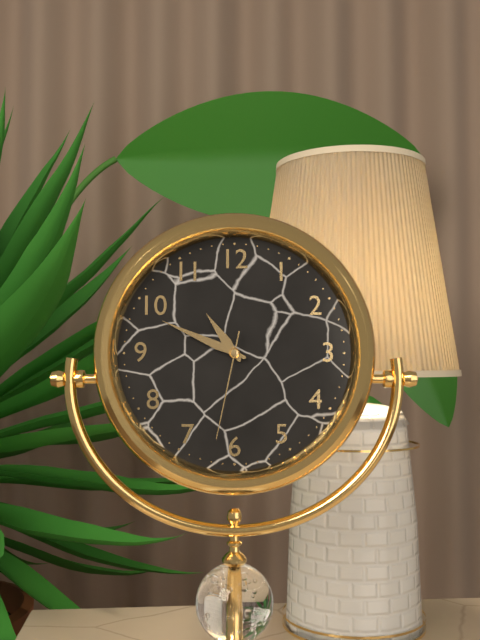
10:49:32
